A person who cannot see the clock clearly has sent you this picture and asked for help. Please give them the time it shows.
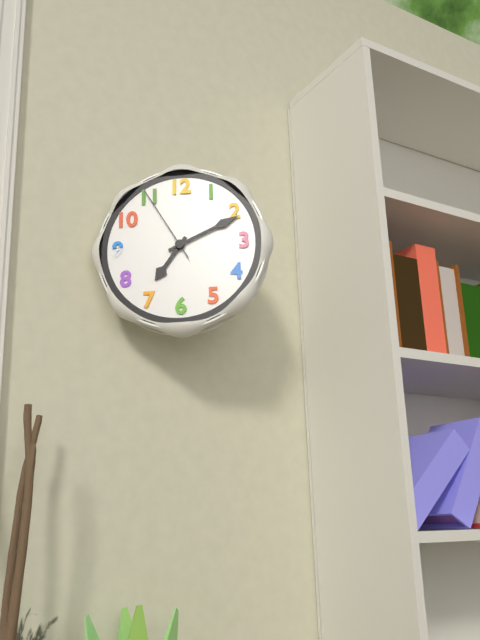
7:11:55
